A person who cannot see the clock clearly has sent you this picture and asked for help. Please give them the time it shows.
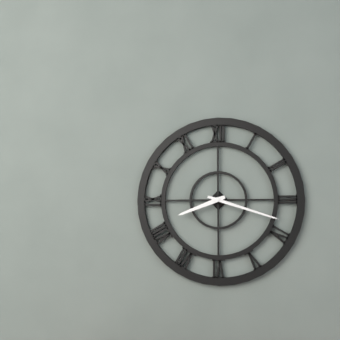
8:18
